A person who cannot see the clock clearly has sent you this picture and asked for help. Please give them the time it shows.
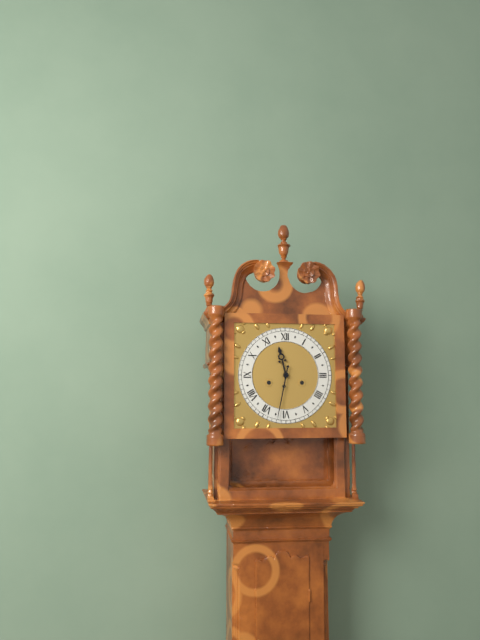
11:32
